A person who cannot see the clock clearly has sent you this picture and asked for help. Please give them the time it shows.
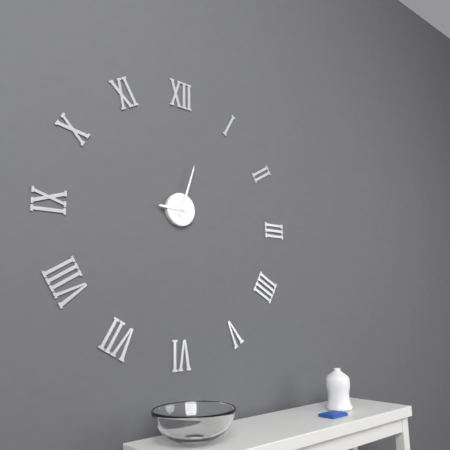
9:03
